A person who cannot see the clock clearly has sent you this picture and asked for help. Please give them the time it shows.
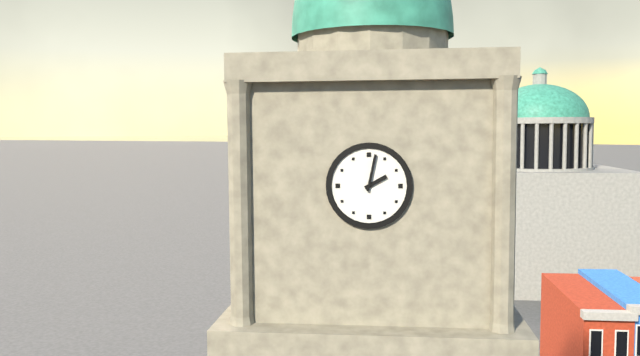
2:02
